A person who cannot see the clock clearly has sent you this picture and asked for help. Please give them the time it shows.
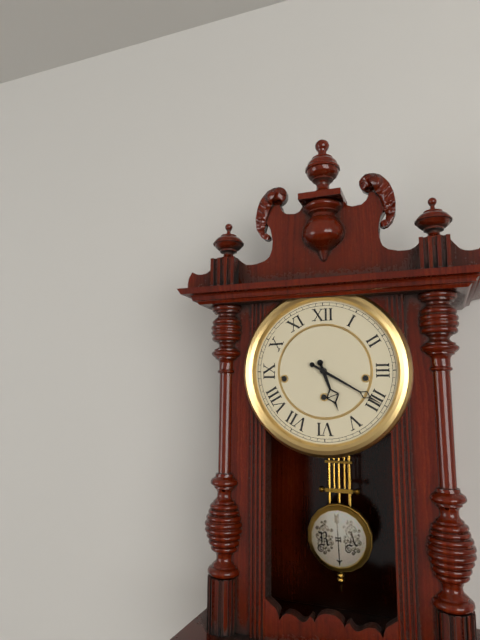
5:20
